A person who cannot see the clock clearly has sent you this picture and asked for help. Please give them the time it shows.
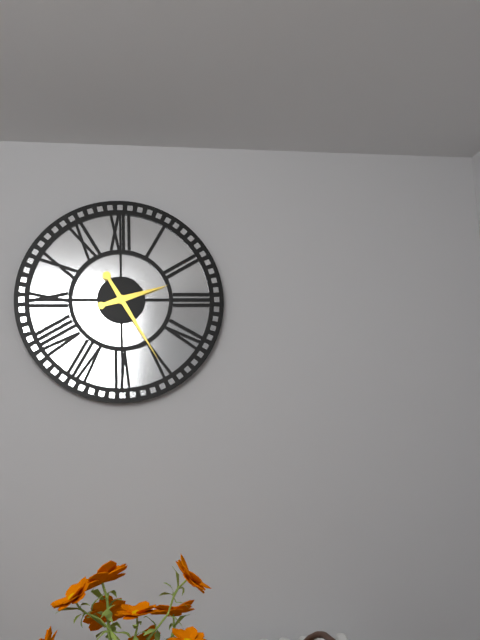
2:25
